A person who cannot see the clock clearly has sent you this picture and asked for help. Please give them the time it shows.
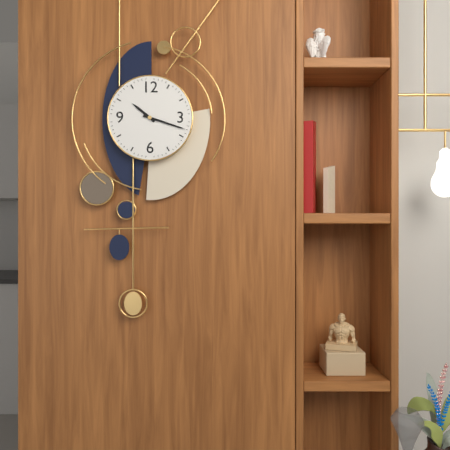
10:18
